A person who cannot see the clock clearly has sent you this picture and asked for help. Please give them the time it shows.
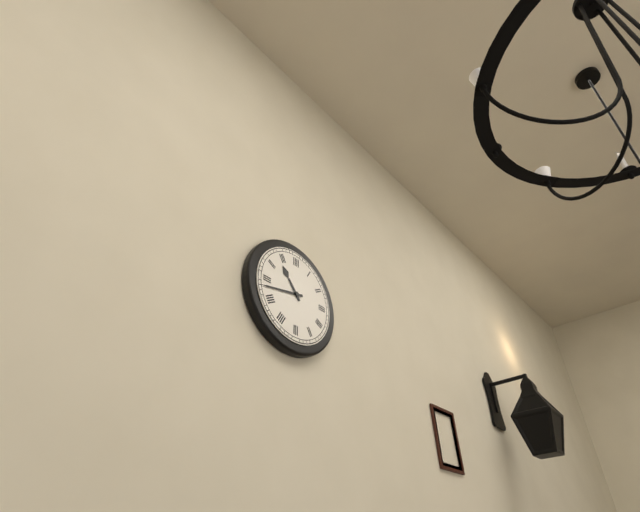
10:43
